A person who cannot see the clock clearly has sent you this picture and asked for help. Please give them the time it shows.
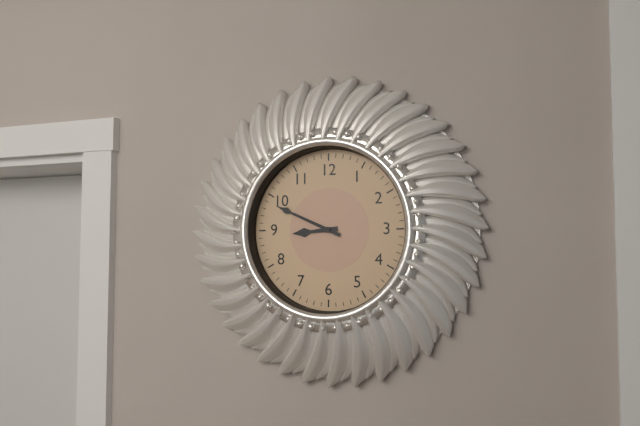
8:49
